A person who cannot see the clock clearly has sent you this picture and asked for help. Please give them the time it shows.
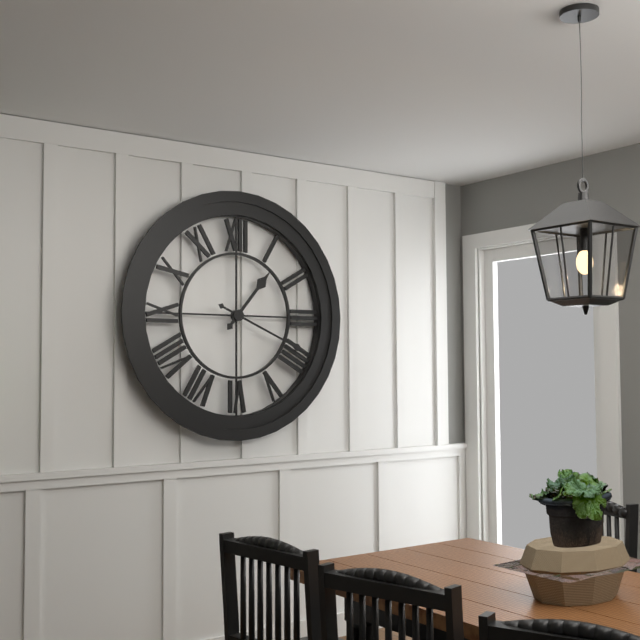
1:19
